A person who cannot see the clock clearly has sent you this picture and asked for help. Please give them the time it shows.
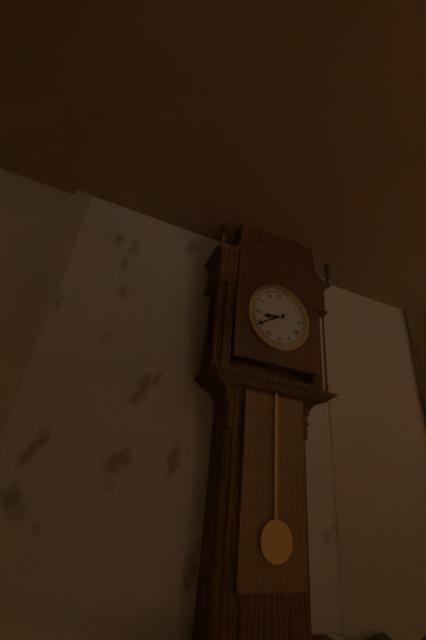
8:40
